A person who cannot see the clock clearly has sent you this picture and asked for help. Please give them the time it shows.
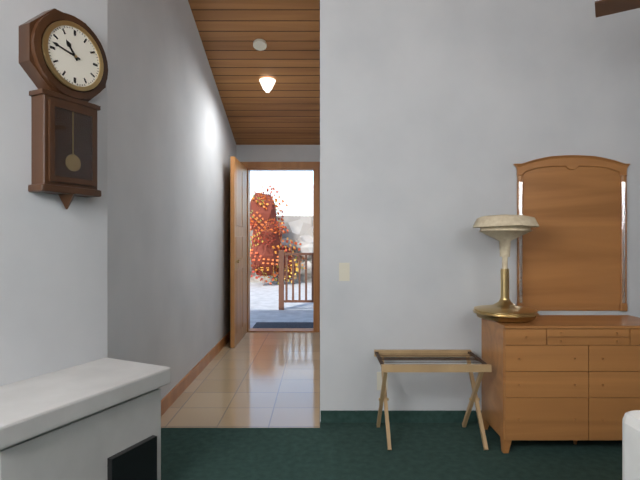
10:47
